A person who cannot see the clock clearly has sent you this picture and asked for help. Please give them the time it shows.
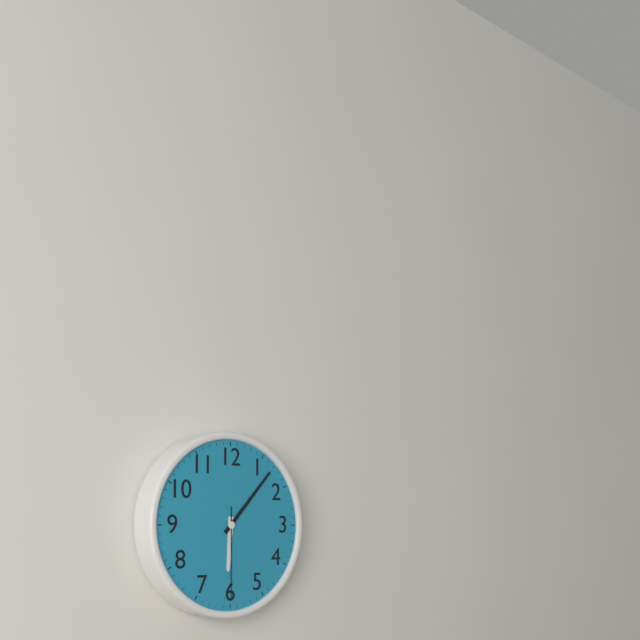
6:07:30
